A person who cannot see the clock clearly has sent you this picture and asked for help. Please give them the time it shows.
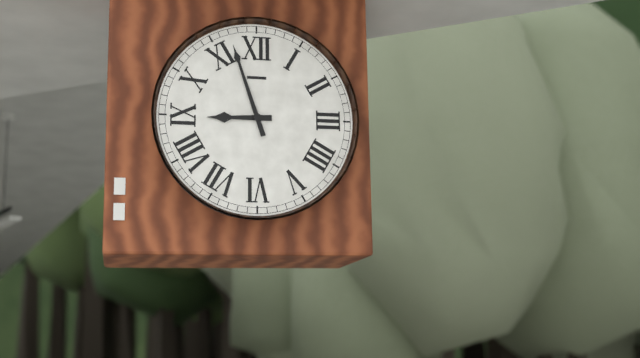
8:57
